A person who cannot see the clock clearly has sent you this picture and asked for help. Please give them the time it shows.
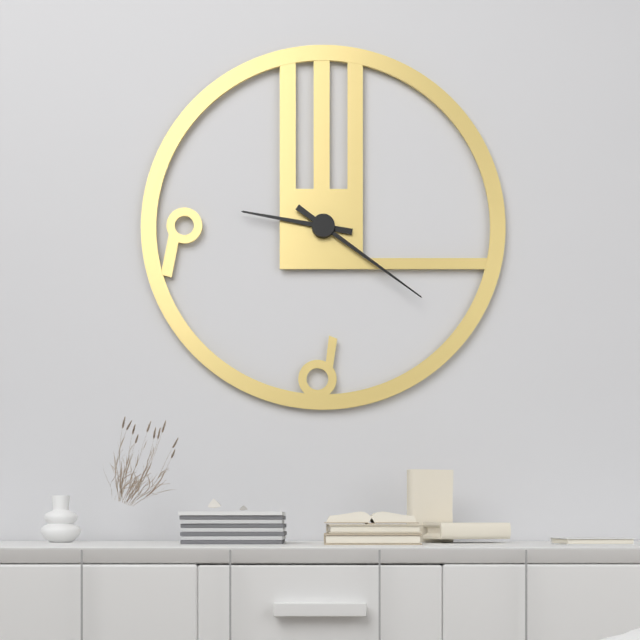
9:21
